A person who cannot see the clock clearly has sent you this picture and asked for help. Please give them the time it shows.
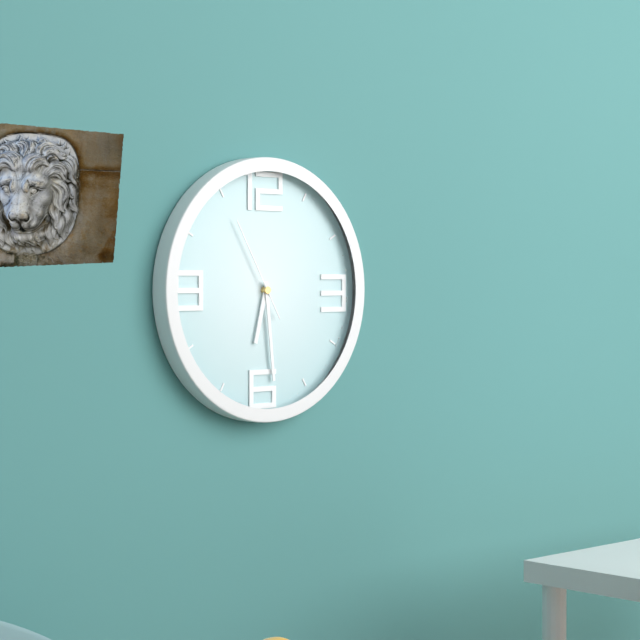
6:29:55
